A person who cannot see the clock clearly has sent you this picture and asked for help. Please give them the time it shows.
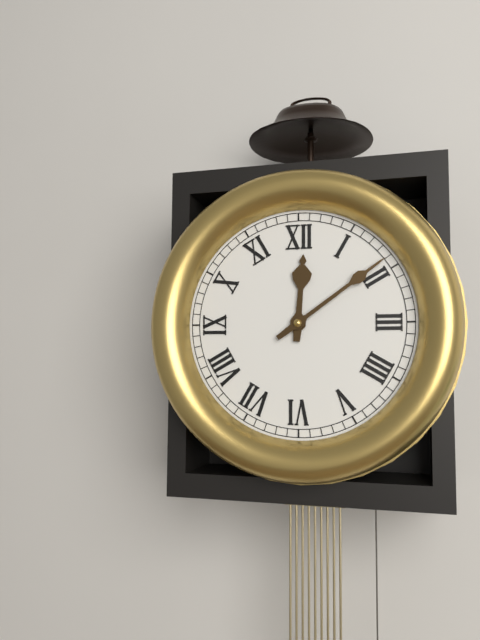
12:09
